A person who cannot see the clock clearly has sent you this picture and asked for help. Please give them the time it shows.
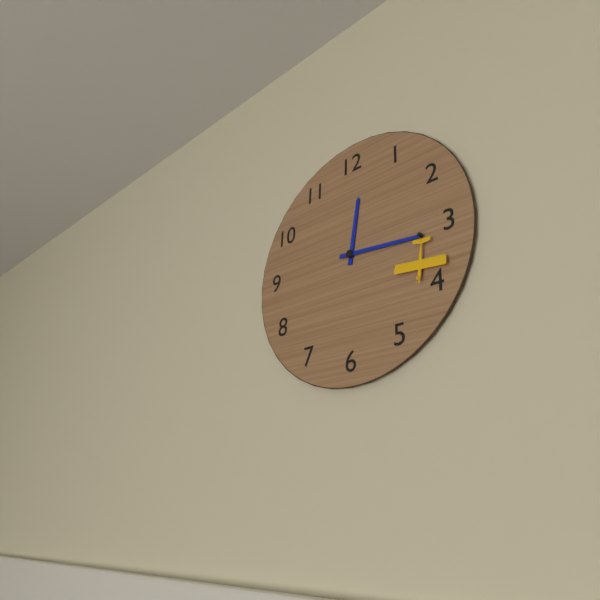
12:16
